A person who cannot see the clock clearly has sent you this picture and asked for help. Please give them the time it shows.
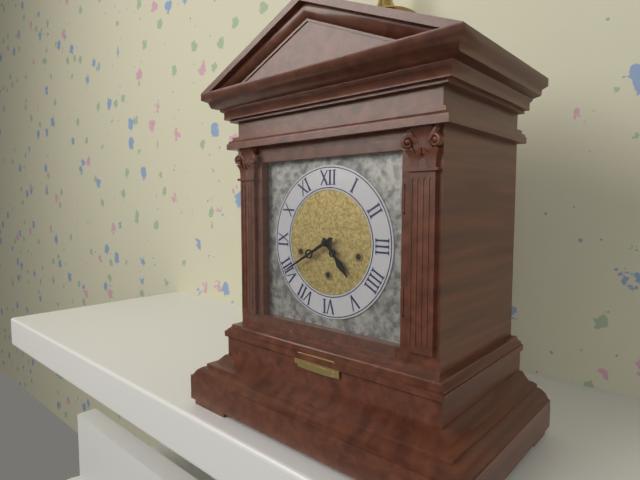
4:40
